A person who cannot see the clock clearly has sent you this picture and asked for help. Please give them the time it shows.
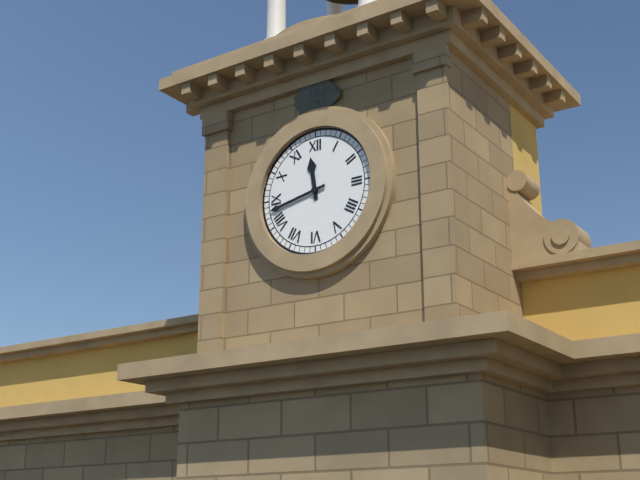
11:43
